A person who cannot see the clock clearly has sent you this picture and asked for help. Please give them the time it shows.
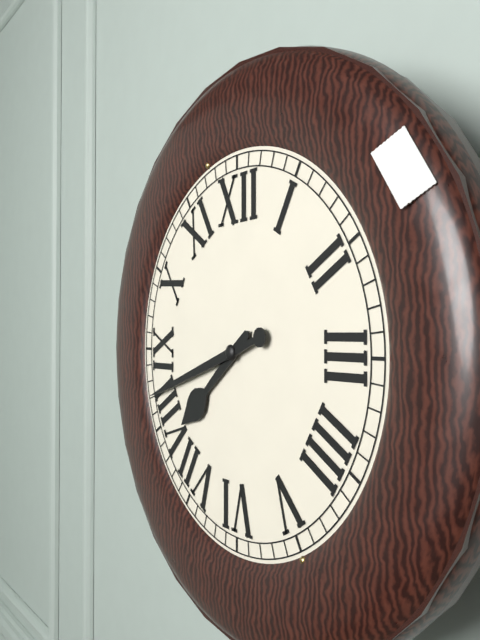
7:42
